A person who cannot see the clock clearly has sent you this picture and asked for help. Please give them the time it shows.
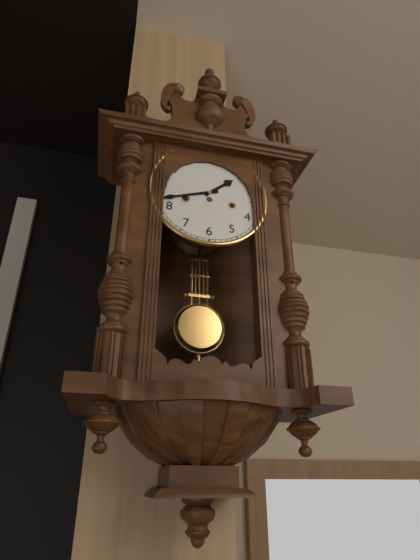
1:42
